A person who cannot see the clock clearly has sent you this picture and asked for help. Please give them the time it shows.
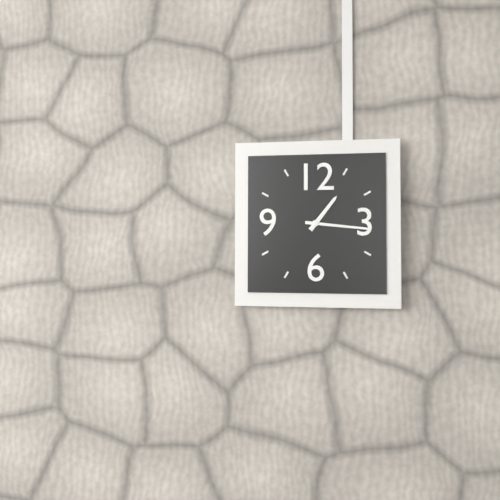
1:16
